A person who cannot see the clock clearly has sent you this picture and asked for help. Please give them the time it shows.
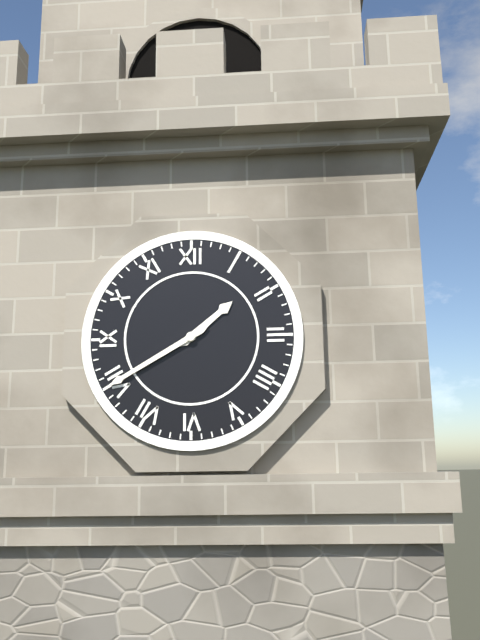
1:40
